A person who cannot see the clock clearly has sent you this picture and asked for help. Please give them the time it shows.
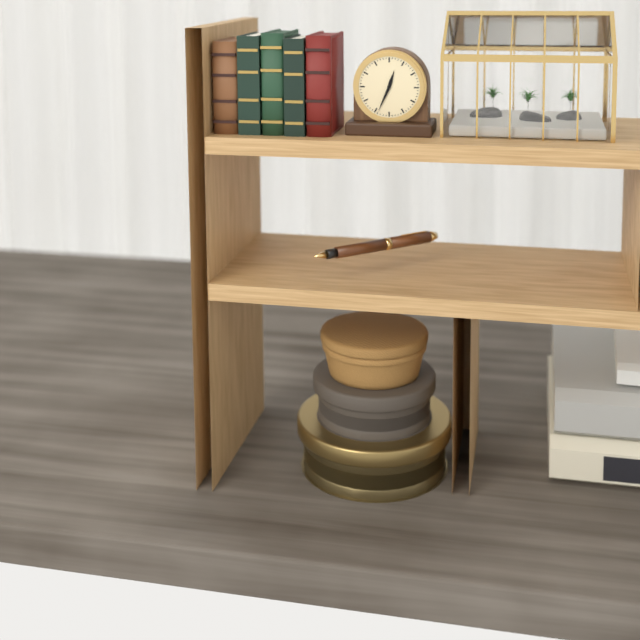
12:34
